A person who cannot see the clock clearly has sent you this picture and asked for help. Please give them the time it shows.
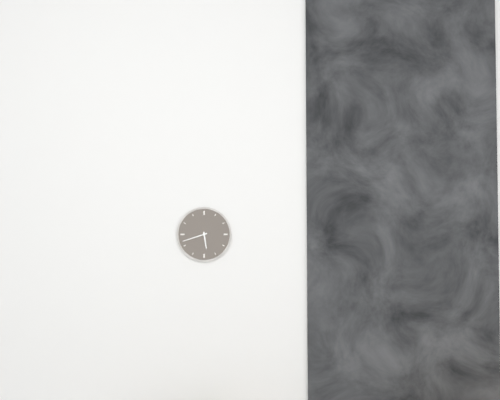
5:42
